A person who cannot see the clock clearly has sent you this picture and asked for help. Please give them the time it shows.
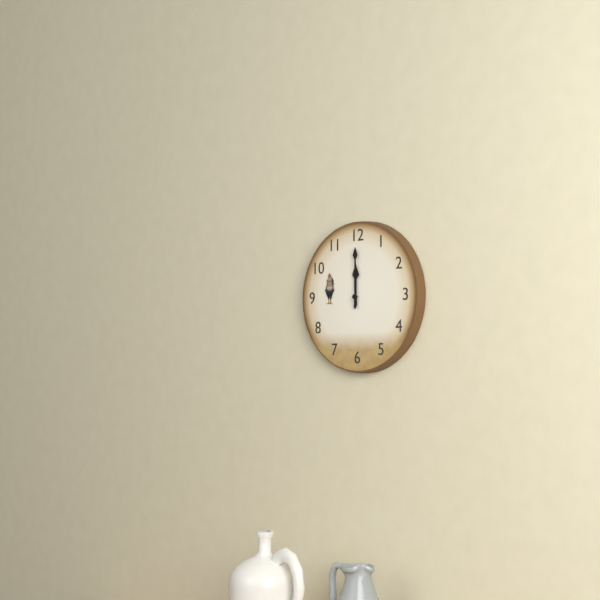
12:00
